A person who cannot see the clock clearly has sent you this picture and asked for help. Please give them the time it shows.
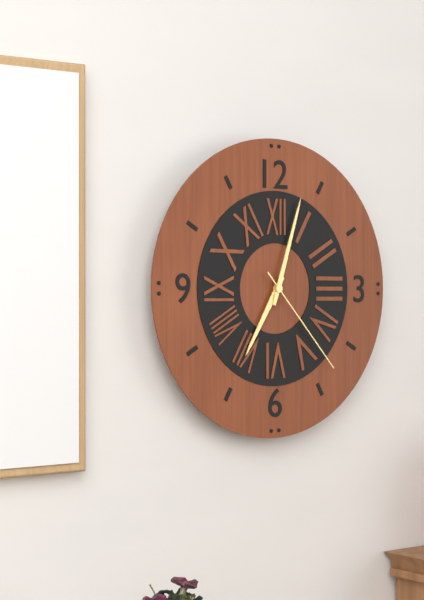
7:03:23
